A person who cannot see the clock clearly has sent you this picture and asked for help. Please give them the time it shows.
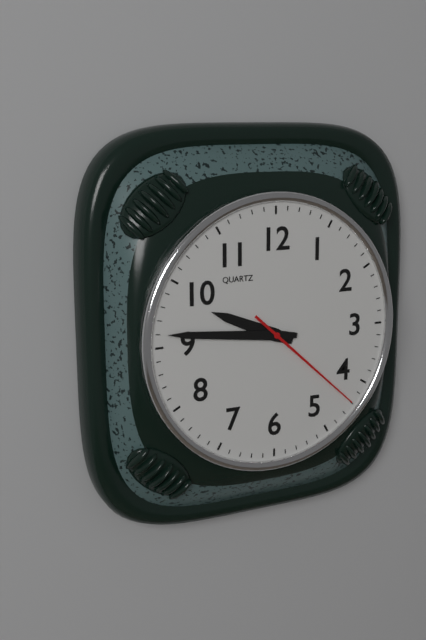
9:46:22
